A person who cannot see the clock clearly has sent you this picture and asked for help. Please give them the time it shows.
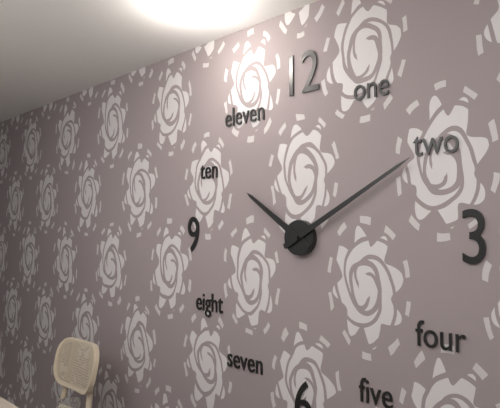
10:10
